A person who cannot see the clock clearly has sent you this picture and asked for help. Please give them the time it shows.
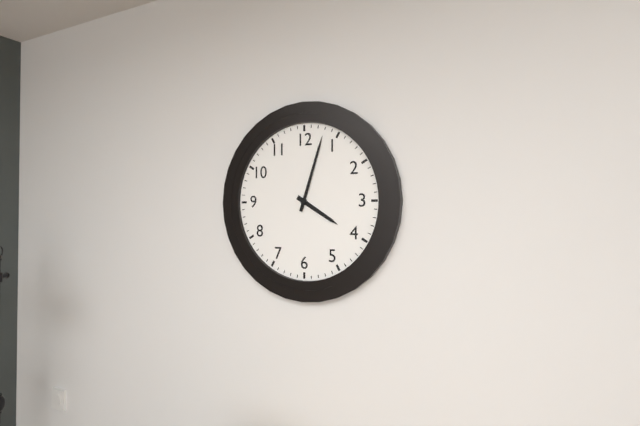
4:03
